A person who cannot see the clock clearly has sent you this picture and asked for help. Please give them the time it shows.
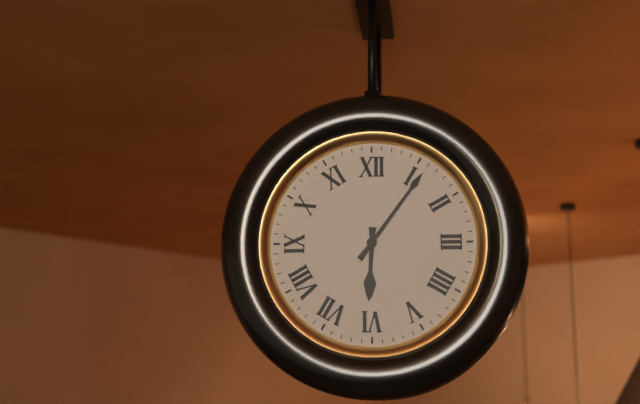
6:06
